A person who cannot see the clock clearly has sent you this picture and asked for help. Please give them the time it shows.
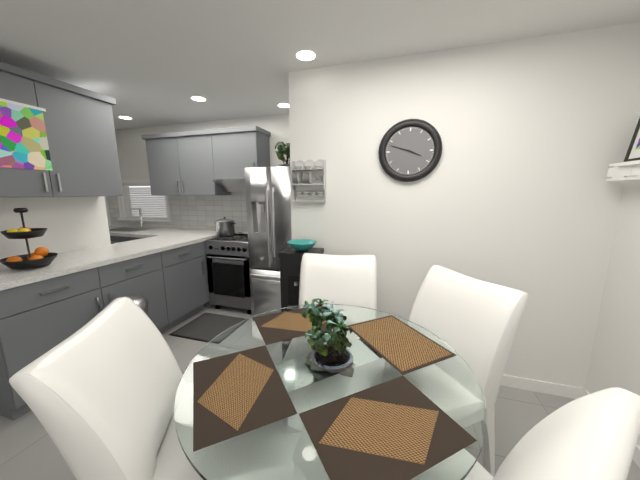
3:48
